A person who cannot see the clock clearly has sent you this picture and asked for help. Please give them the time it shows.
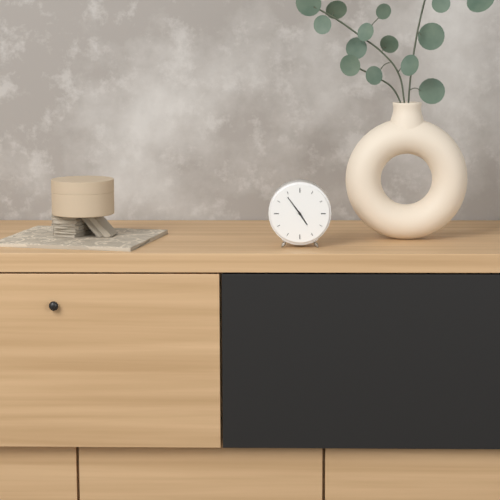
4:54
